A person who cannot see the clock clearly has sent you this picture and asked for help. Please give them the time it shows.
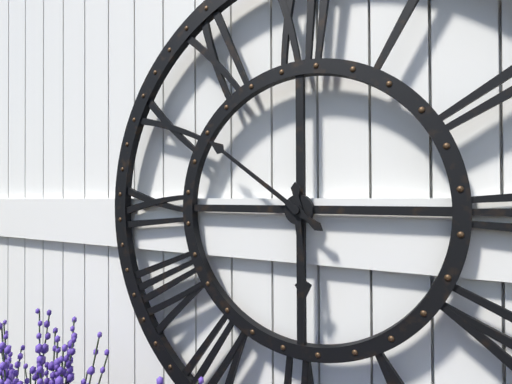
5:51
